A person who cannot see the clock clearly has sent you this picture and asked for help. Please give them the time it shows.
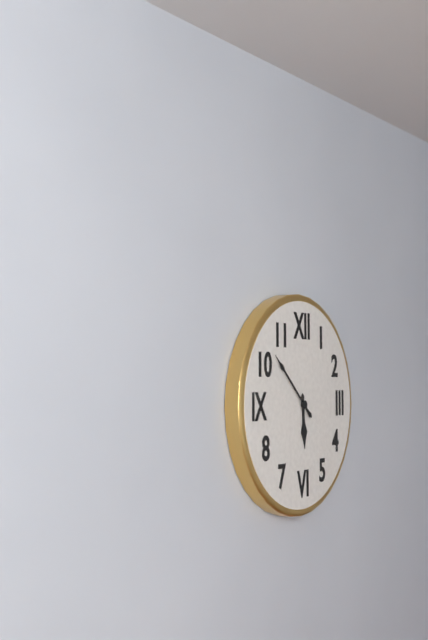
5:52
